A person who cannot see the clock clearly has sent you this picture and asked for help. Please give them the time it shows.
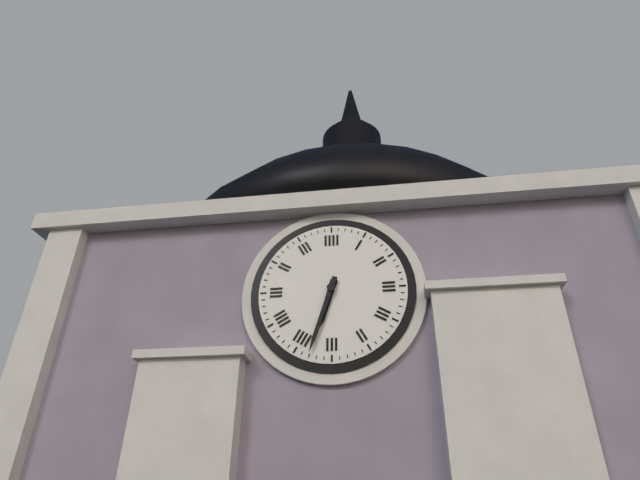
6:33
